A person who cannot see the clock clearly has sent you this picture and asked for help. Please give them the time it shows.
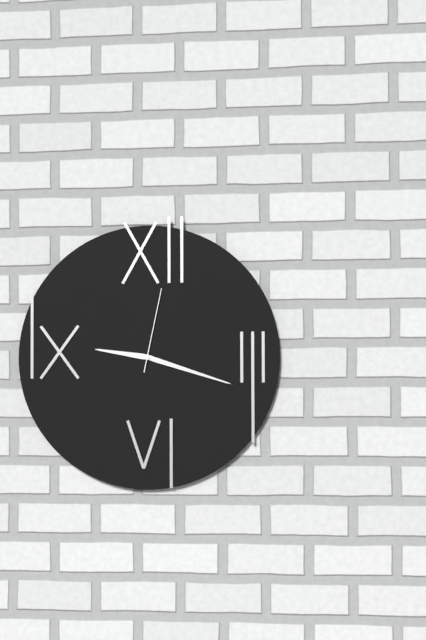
9:18:02
